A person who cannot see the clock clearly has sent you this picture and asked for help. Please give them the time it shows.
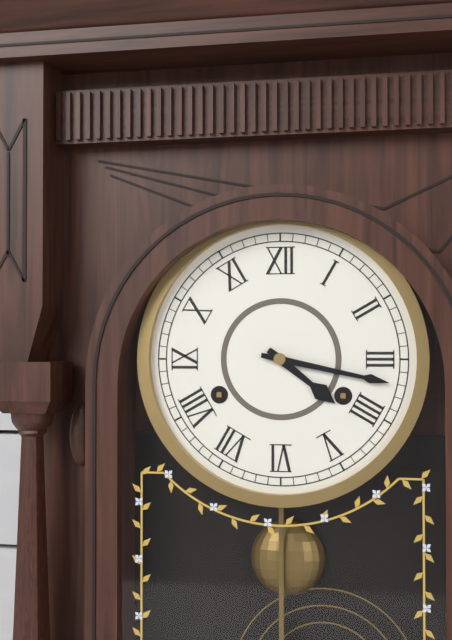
4:17
